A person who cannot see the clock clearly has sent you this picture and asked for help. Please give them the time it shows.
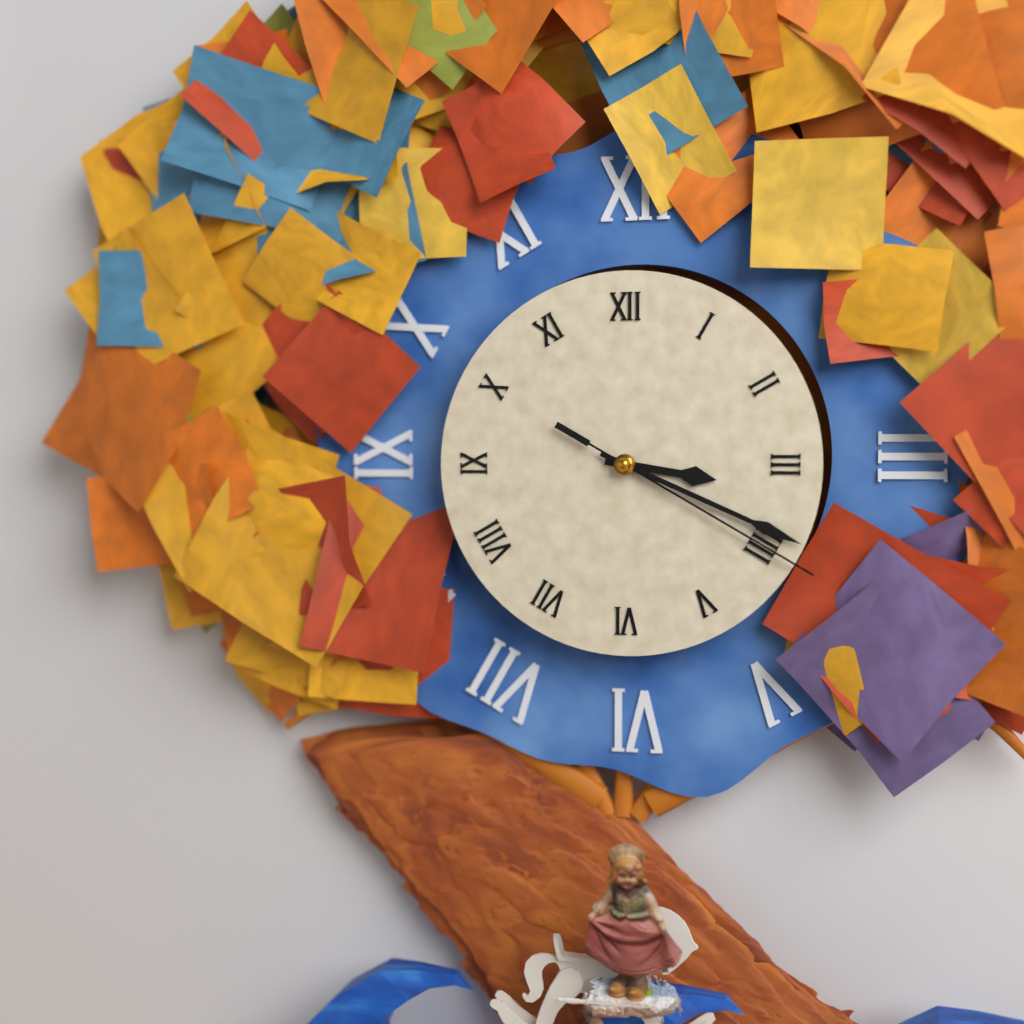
3:19:20
